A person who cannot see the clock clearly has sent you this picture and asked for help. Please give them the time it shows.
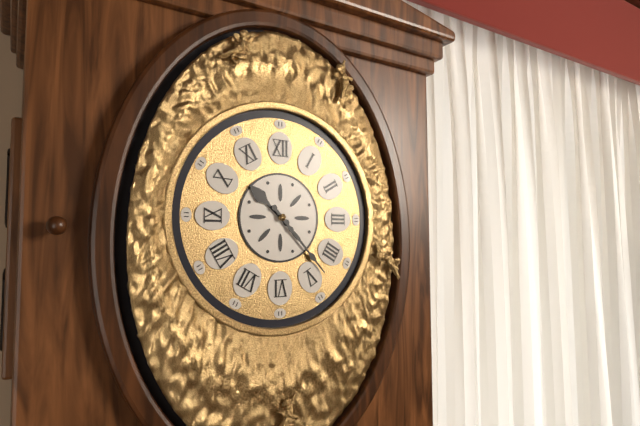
10:23
